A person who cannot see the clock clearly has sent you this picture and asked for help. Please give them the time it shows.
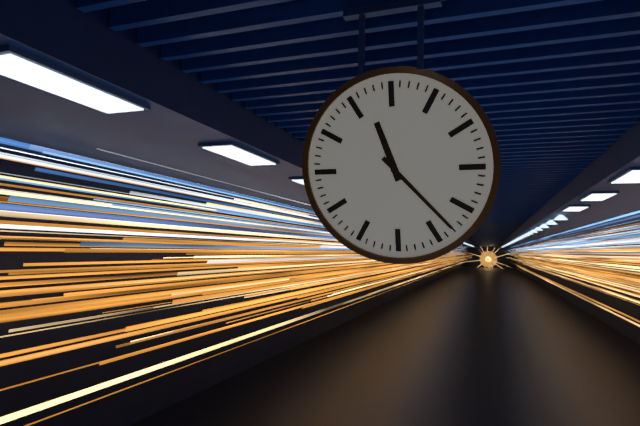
11:23
